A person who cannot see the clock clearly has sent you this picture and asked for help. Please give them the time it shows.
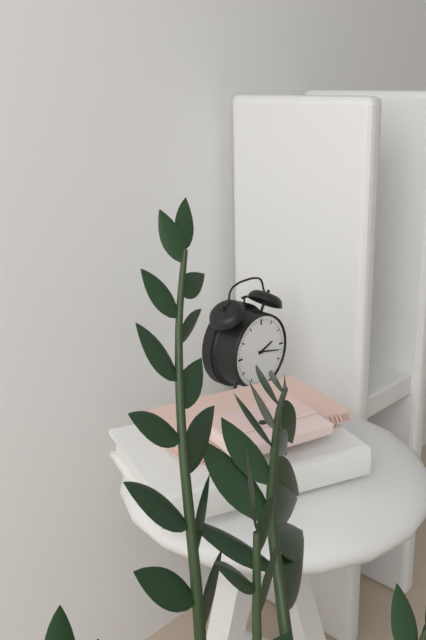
2:17
